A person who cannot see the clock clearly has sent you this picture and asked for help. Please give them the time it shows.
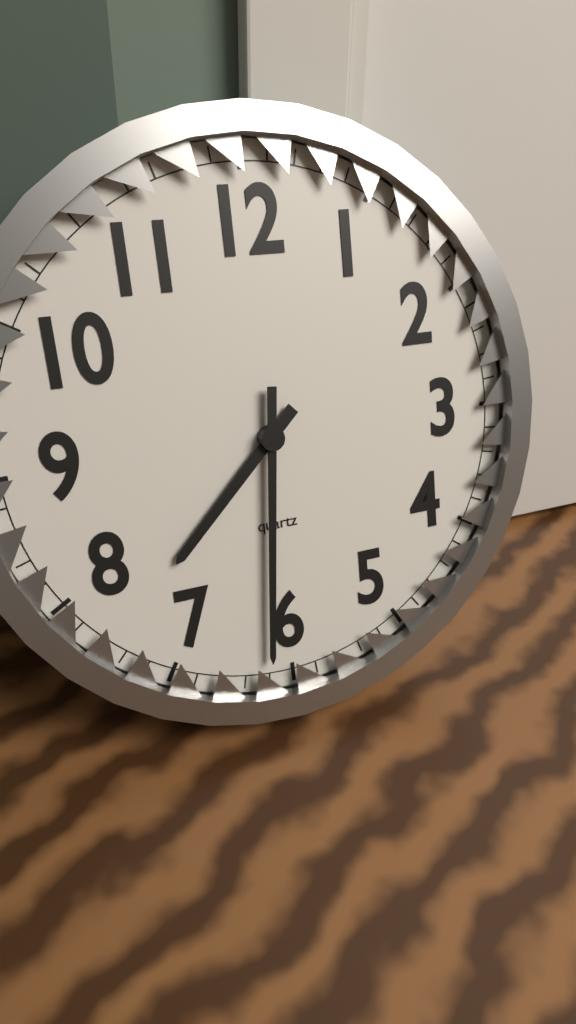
7:31
